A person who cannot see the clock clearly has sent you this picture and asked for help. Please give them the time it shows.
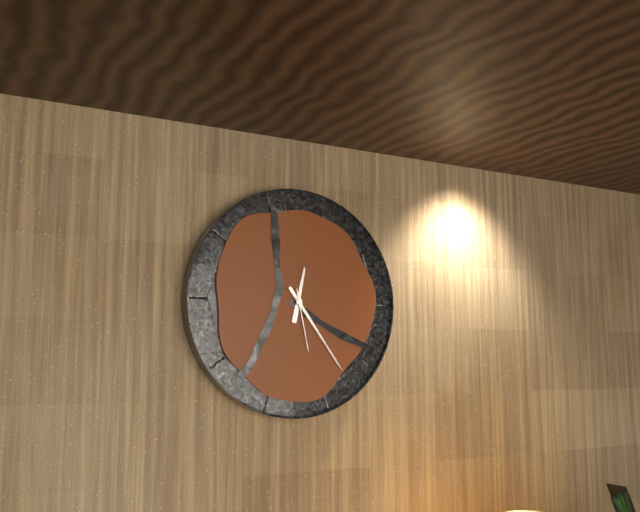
12:24:28
